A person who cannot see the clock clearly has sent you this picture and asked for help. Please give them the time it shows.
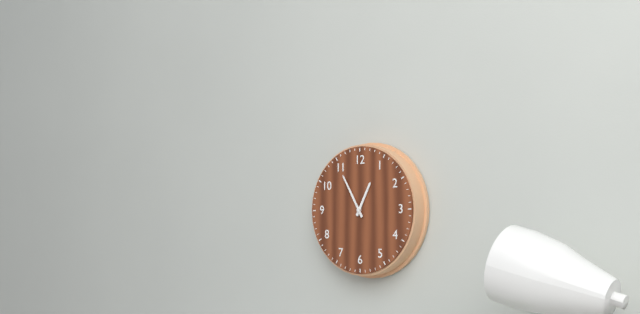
12:55
